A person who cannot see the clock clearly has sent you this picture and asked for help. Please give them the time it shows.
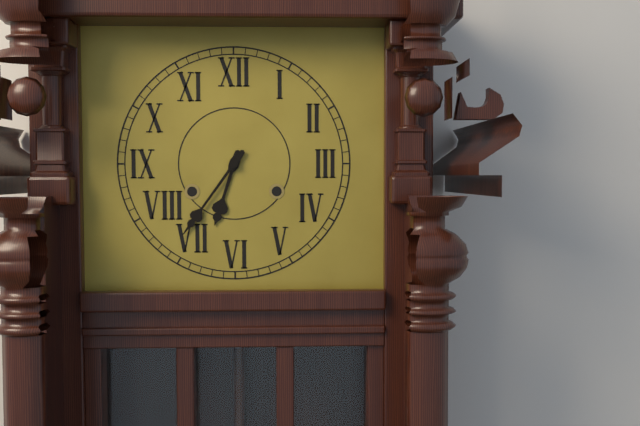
6:36
